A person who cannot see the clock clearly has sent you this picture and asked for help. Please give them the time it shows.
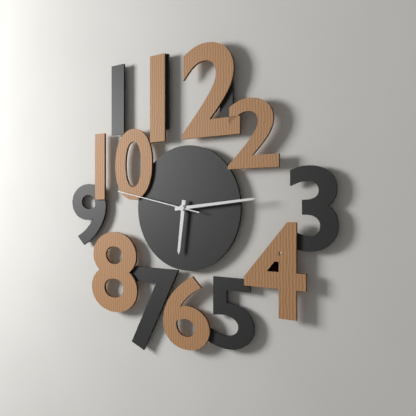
6:14:47
